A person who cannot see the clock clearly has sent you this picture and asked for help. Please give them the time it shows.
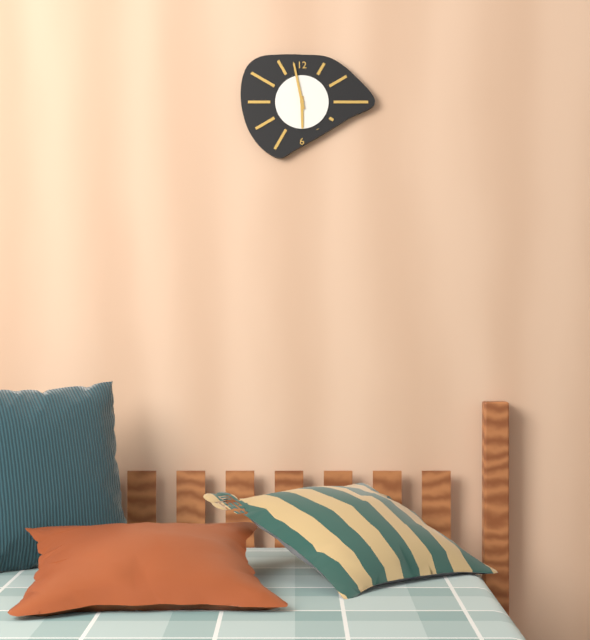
5:58
